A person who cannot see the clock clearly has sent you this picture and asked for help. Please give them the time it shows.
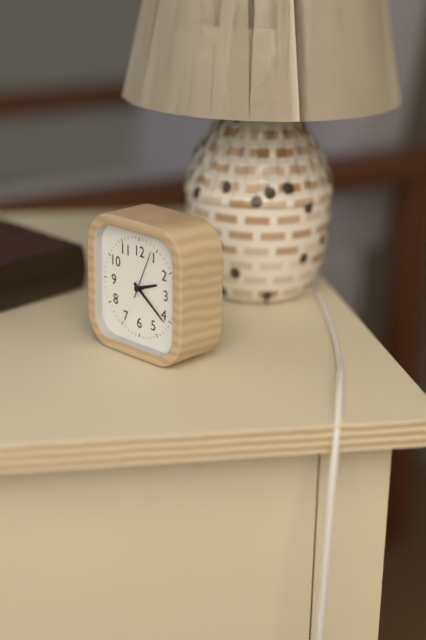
2:21:04
